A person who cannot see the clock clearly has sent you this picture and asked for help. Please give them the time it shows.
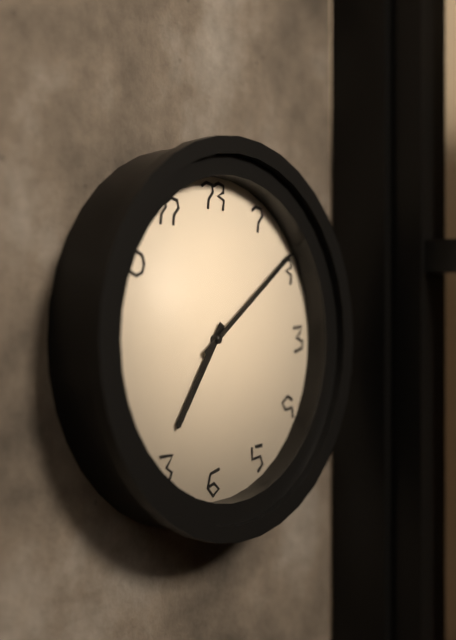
7:09
